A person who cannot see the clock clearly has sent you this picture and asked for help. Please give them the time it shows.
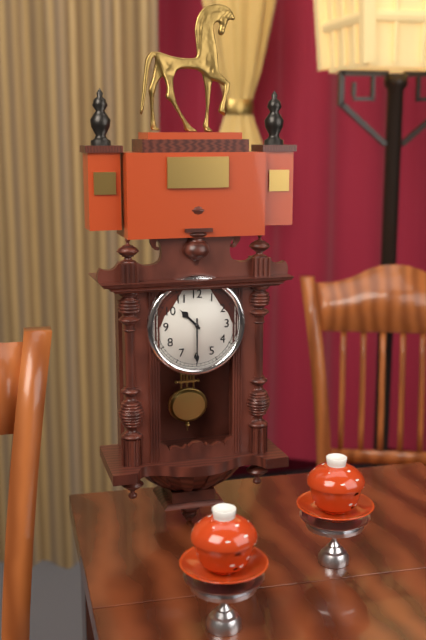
10:30
